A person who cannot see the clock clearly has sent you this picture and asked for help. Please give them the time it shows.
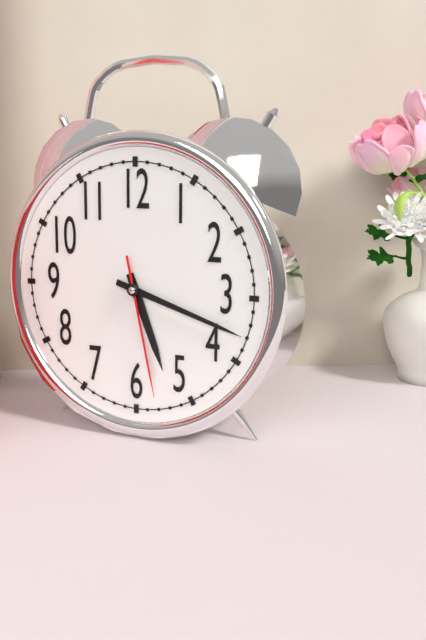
5:18:28
